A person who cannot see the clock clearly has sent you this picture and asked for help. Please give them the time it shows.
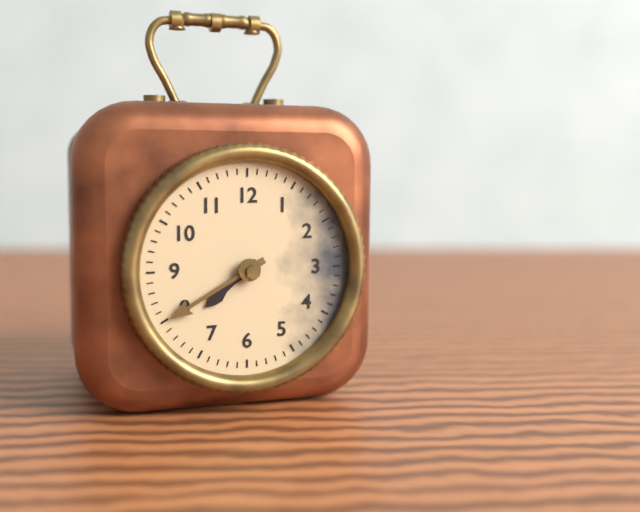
7:40
